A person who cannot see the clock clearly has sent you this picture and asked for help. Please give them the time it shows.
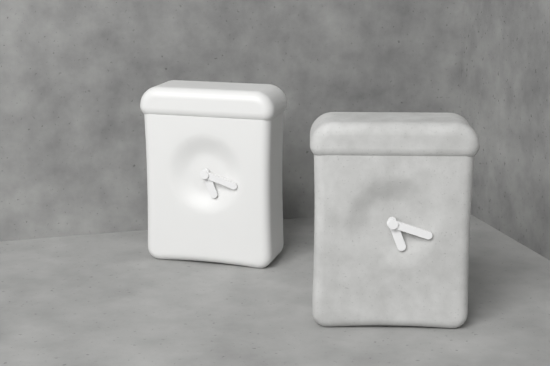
5:18
